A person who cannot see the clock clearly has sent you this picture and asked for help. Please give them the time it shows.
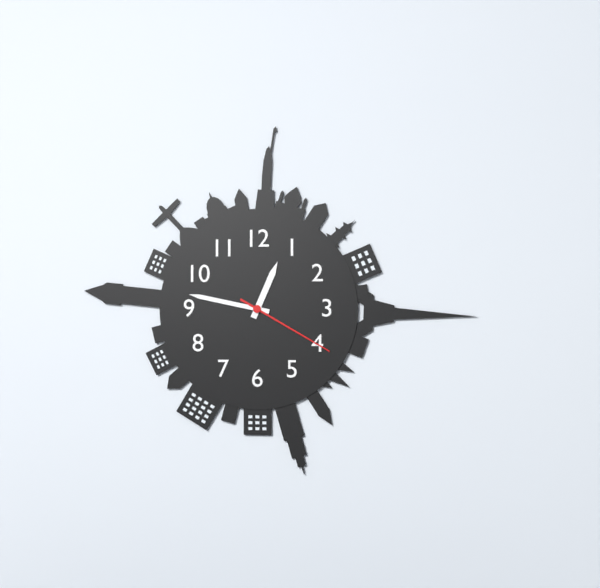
12:47:20
